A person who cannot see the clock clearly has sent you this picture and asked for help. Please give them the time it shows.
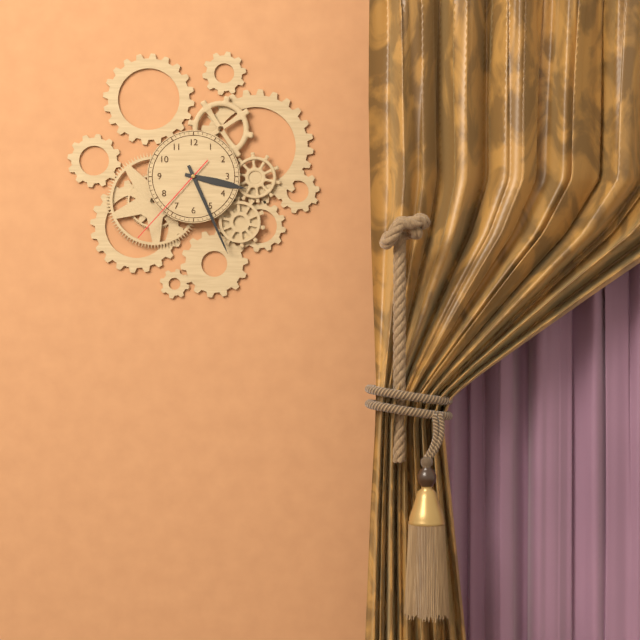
3:26:37
